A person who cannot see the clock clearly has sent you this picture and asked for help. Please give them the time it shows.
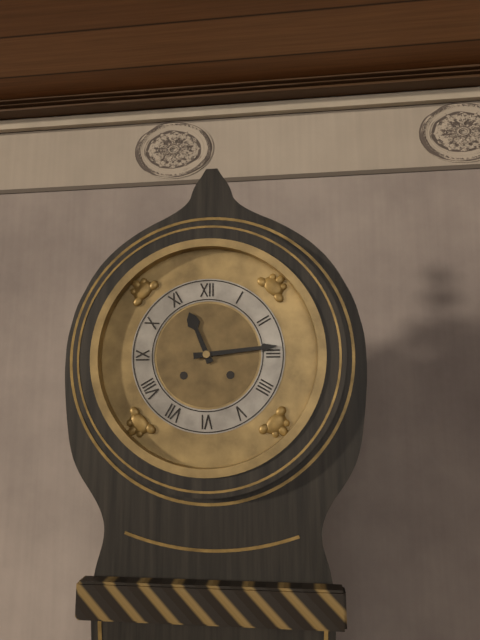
11:14
